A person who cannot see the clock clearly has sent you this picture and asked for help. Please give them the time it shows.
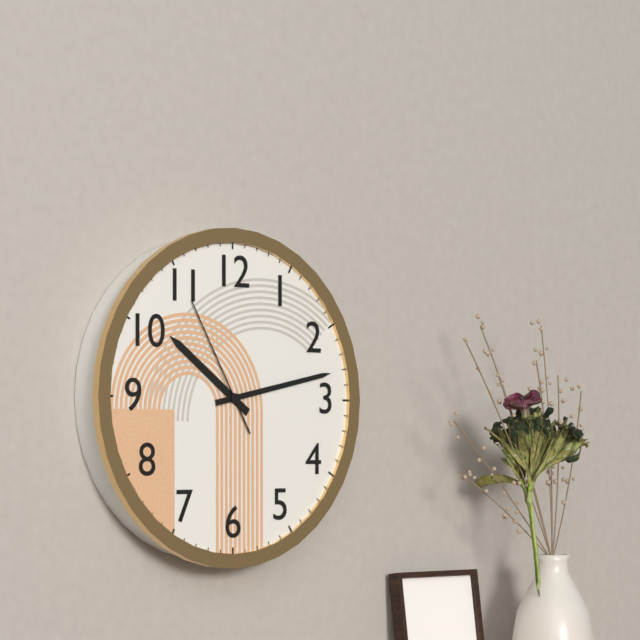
10:13:55
